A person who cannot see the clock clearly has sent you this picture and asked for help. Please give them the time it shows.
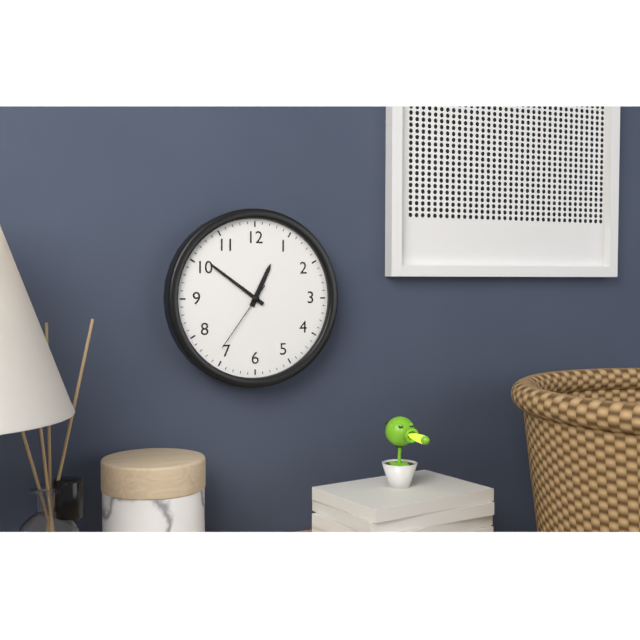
12:51:36
